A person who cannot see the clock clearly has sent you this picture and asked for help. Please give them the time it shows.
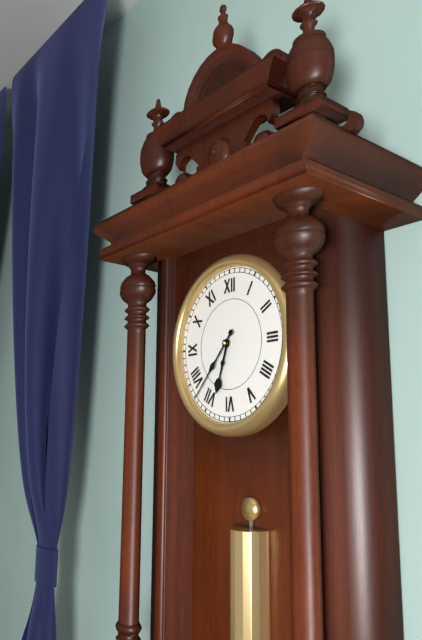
6:37
